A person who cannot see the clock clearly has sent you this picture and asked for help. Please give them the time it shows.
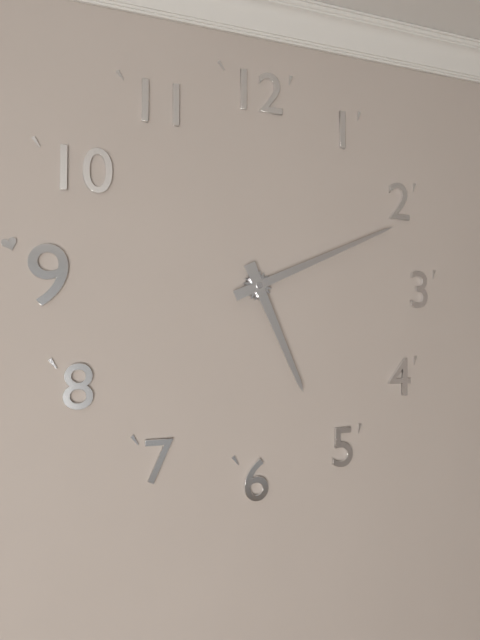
5:11
